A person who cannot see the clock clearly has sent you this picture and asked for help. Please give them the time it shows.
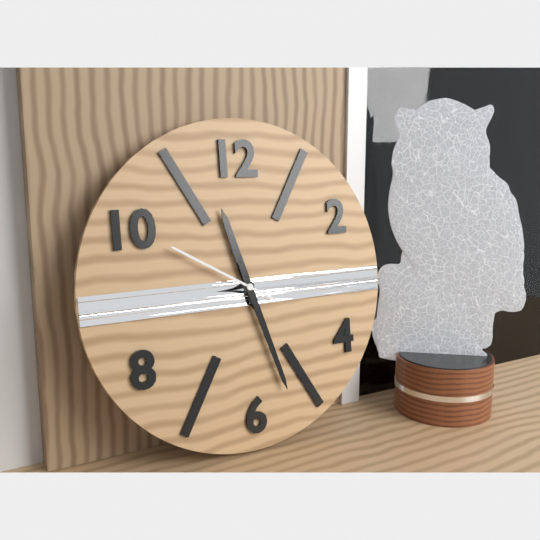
11:27:50
